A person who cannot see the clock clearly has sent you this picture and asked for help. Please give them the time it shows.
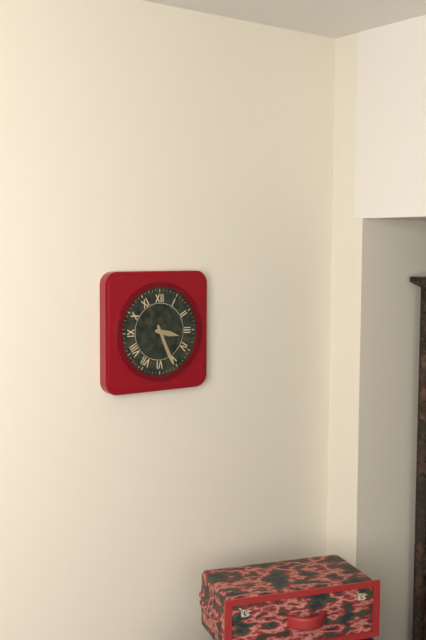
3:26
